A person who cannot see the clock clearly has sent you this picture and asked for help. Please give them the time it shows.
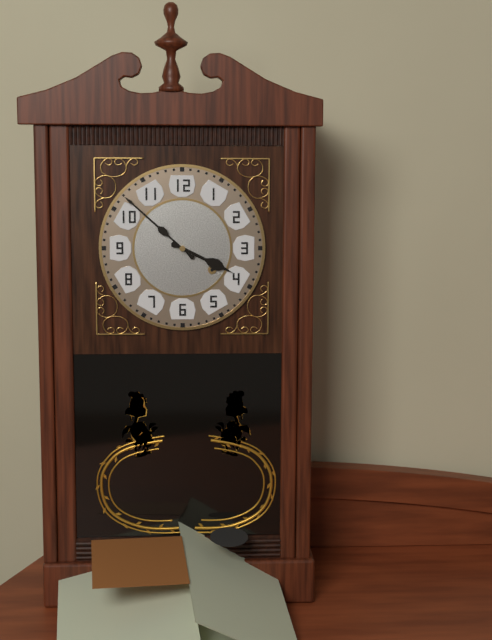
3:52
